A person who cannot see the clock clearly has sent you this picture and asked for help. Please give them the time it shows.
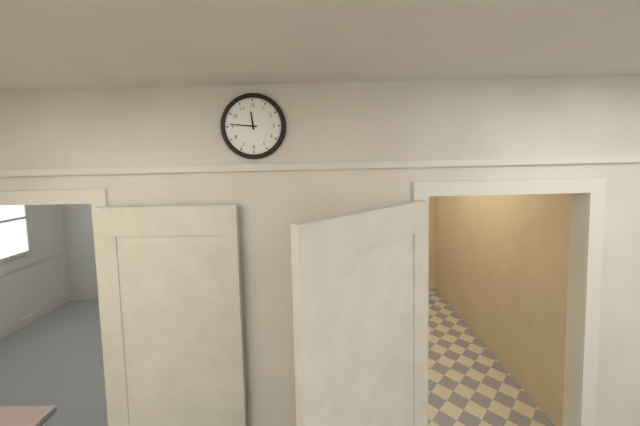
11:46
